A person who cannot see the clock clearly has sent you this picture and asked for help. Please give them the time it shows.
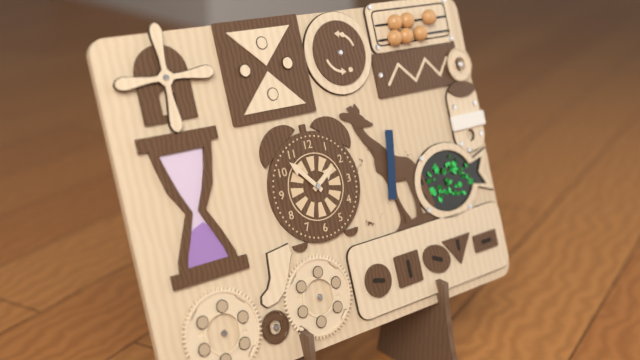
1:53
